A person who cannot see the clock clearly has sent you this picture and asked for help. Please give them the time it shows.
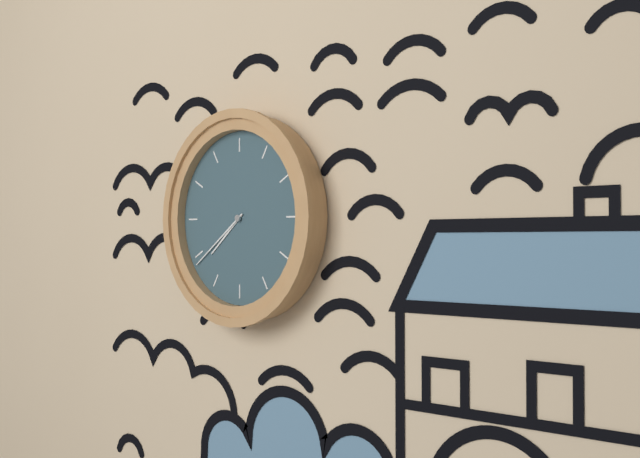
7:39
